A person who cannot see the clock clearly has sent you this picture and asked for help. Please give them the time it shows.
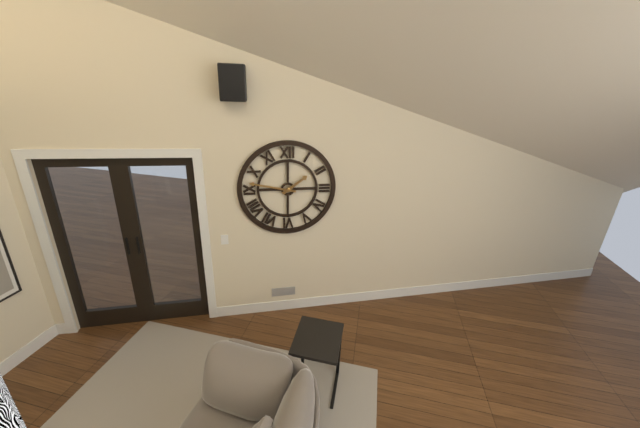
1:47
